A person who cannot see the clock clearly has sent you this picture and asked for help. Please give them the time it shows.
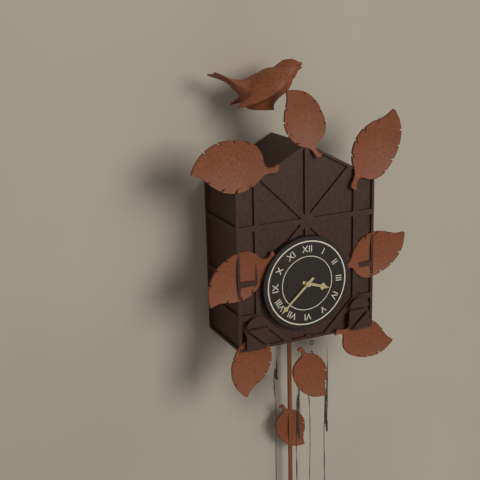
3:38
